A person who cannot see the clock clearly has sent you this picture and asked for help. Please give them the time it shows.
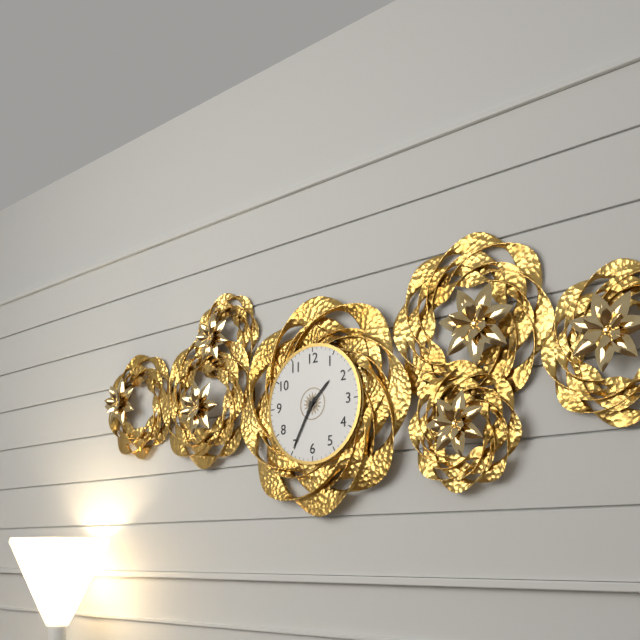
1:35
